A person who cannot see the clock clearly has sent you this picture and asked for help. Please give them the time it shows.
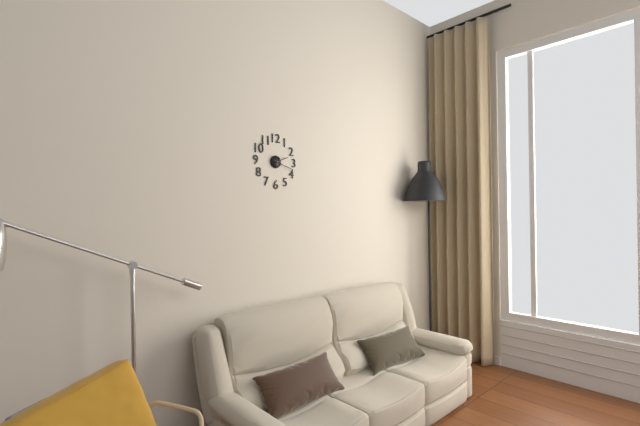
2:18
